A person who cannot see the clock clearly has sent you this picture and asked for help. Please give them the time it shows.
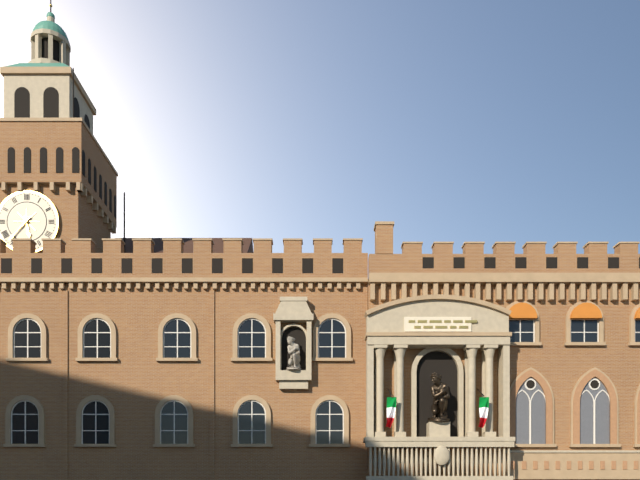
5:37
